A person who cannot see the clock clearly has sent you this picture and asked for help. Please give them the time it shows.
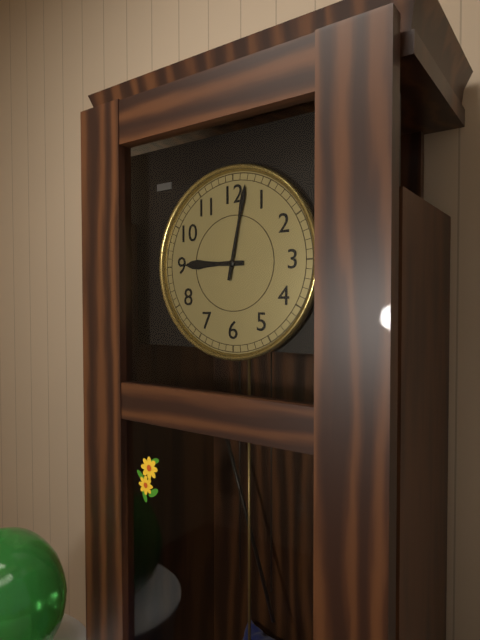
9:02
